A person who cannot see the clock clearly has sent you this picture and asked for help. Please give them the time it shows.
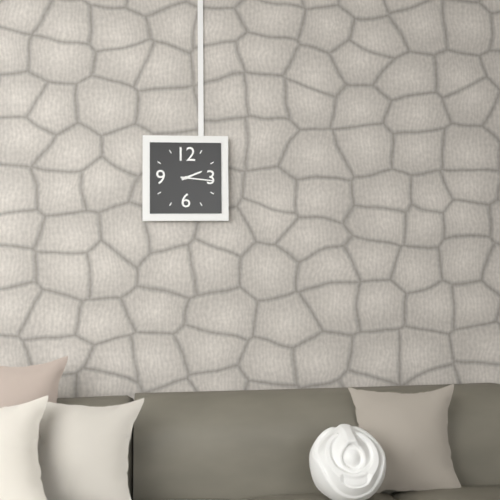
2:16
